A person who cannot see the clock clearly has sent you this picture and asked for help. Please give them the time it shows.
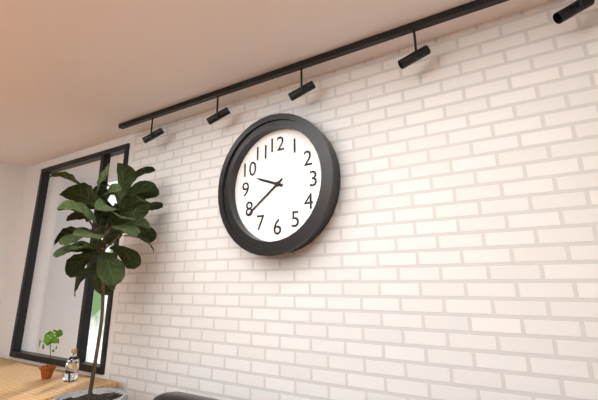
9:39
